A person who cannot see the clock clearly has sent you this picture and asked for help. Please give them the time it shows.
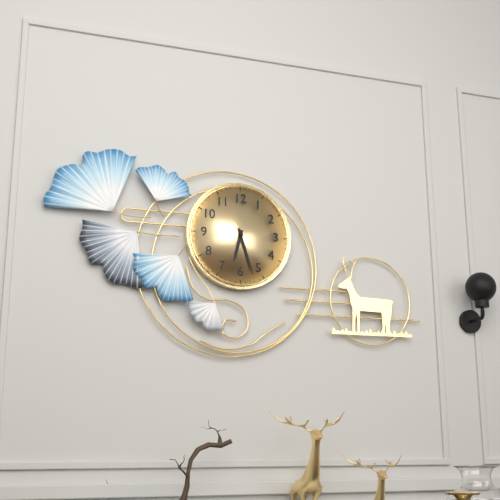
6:27
